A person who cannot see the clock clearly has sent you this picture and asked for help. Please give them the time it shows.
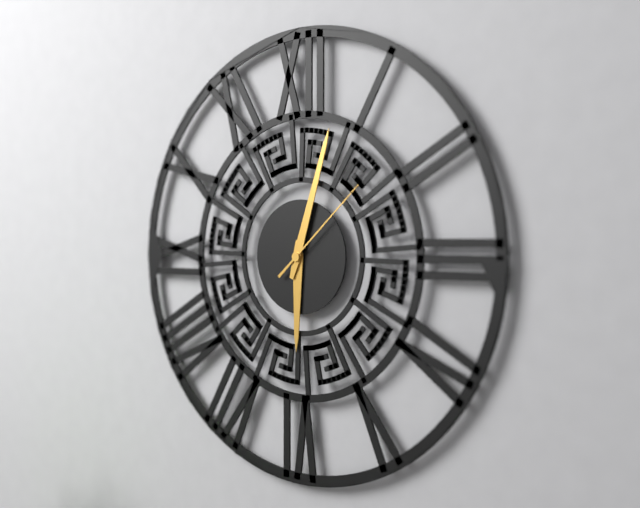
6:03:08
